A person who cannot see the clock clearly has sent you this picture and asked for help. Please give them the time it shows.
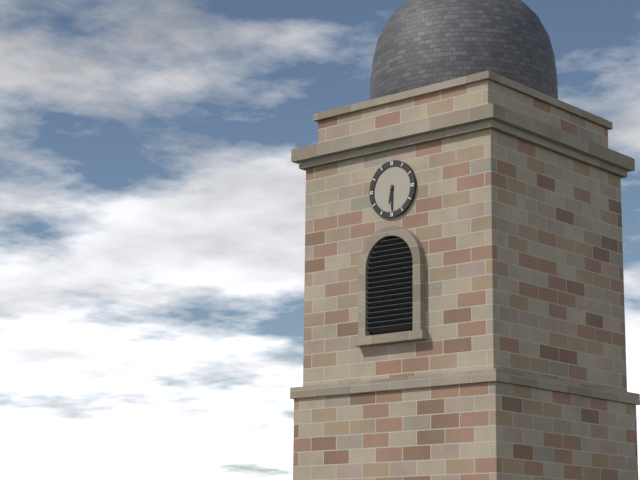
6:30
